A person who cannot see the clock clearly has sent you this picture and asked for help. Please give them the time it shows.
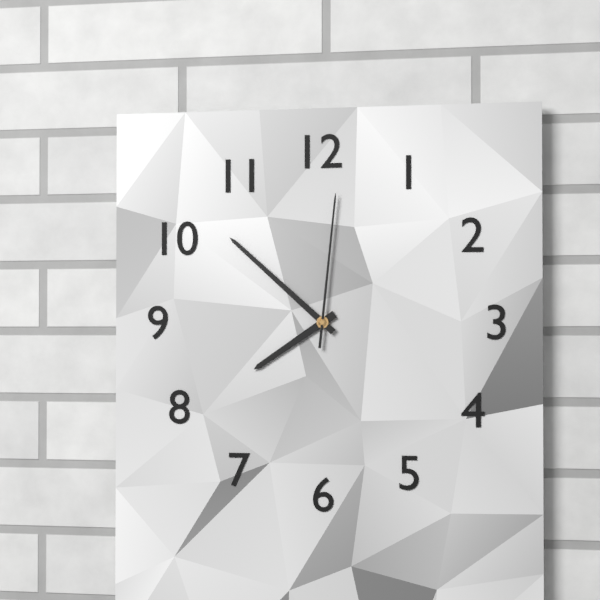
7:52:01
